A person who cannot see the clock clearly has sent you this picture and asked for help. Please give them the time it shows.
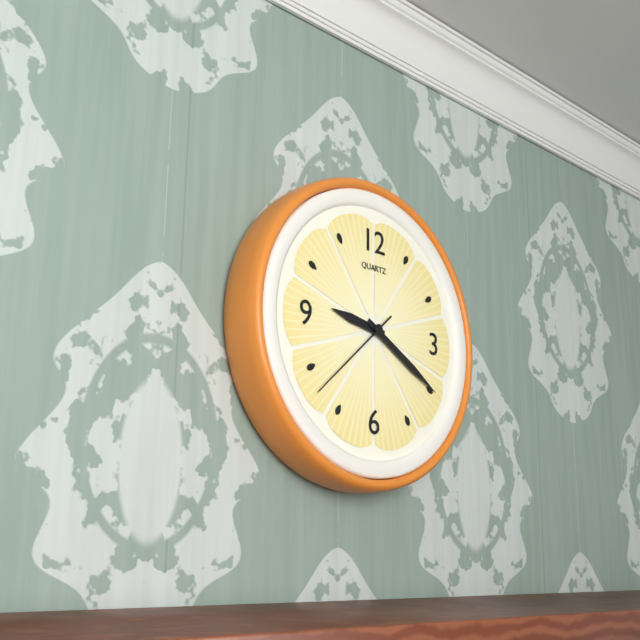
9:20:38
